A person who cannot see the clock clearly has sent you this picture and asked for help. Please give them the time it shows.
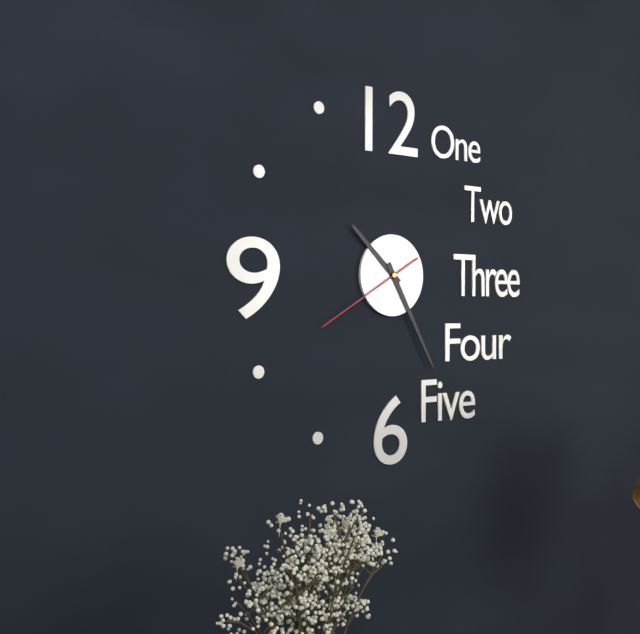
10:25:40
